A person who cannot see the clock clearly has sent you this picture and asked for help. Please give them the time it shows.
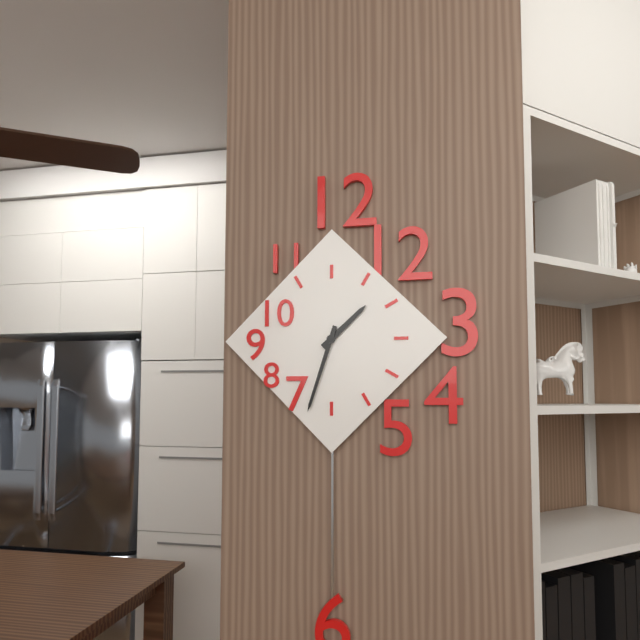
1:33
